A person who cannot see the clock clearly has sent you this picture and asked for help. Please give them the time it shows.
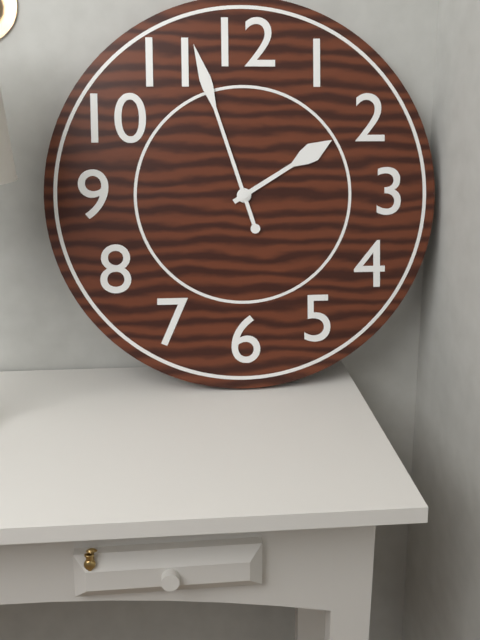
1:57
